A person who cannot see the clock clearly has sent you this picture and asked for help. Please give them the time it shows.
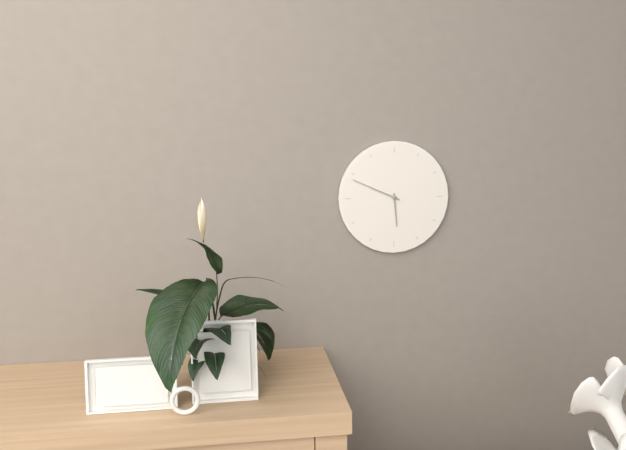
5:49
